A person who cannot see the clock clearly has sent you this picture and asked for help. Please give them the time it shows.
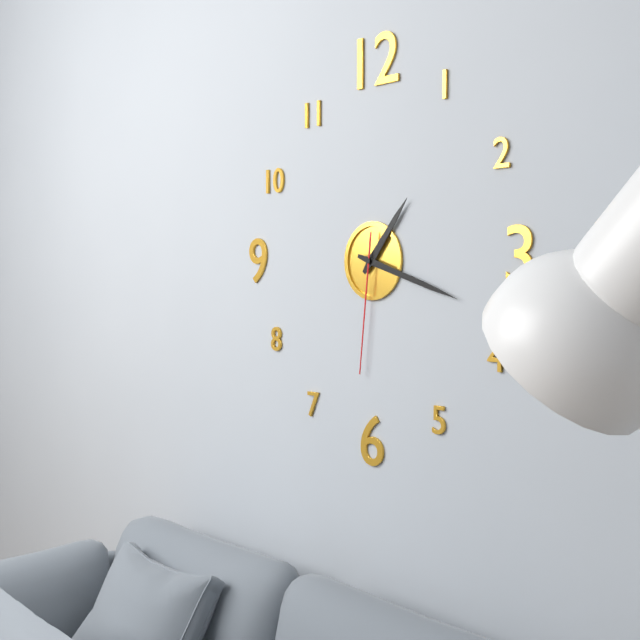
1:18:31
